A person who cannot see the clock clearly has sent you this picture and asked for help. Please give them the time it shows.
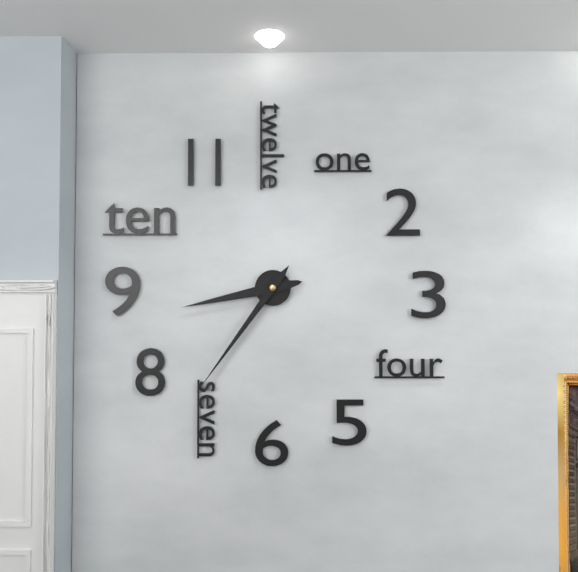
8:36
